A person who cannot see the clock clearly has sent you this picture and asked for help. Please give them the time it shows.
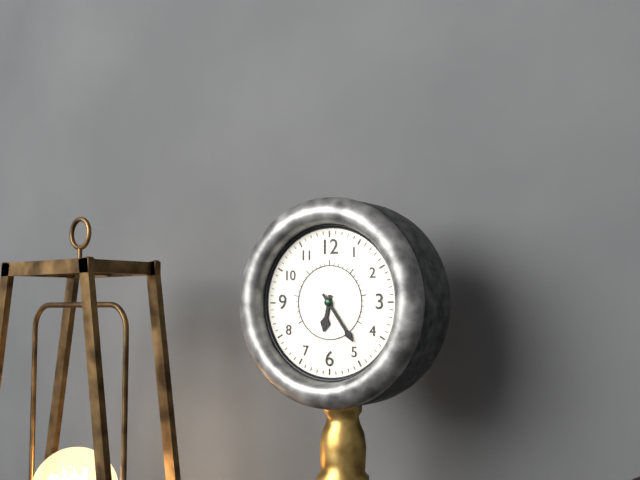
6:24
